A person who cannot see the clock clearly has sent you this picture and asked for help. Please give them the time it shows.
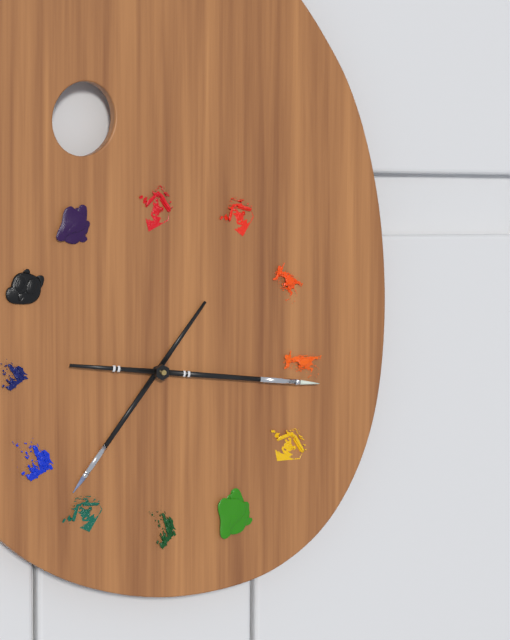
7:16
